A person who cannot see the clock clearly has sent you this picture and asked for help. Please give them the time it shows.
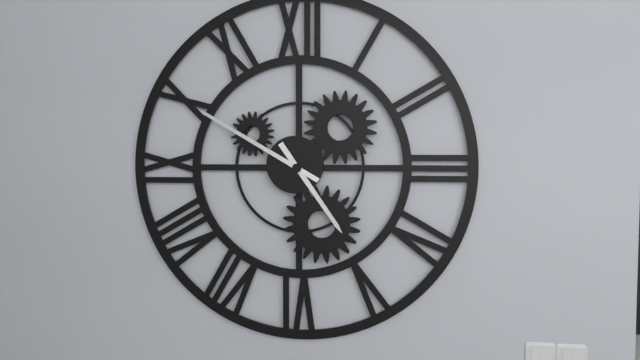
4:50
